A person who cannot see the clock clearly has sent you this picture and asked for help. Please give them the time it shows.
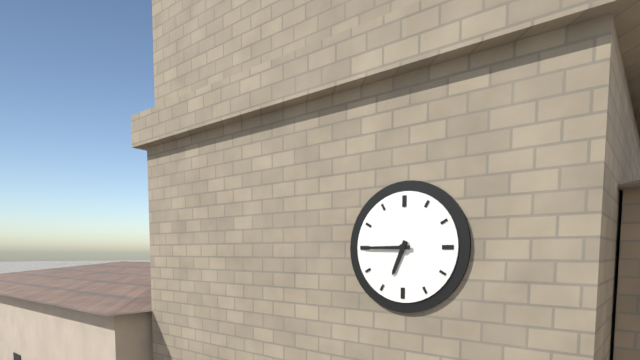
6:45
